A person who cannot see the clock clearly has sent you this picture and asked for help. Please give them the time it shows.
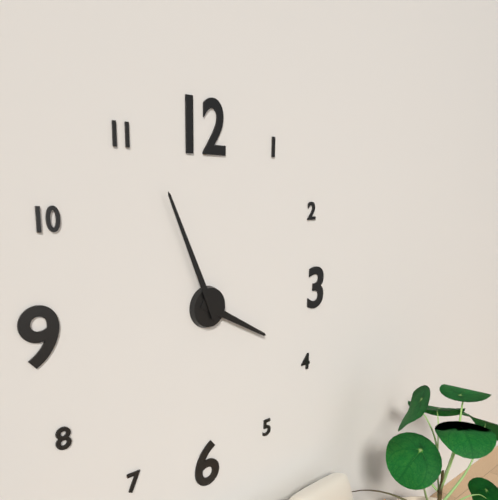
3:56
